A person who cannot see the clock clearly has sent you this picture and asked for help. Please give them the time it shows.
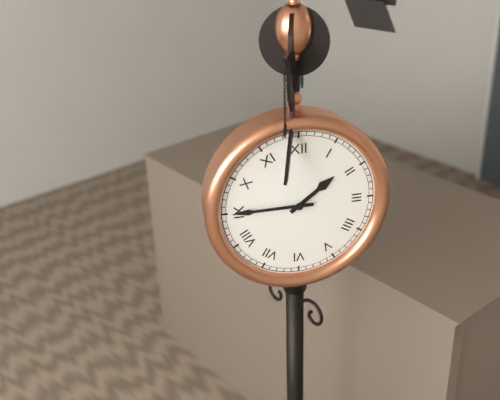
1:45
